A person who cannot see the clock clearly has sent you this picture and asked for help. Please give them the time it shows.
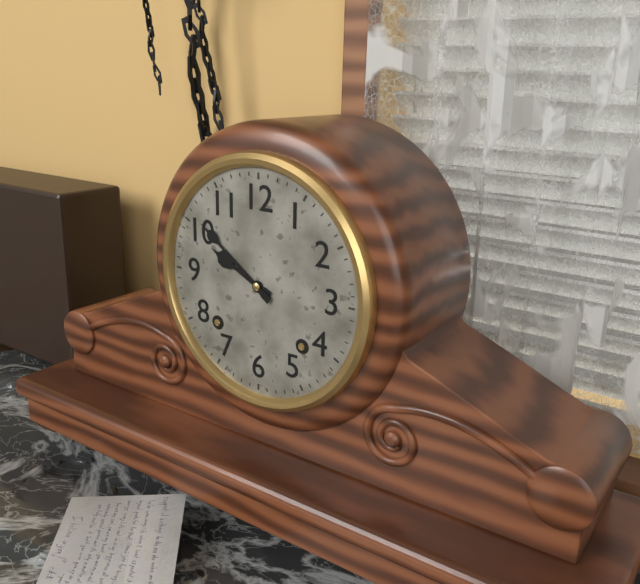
9:51
